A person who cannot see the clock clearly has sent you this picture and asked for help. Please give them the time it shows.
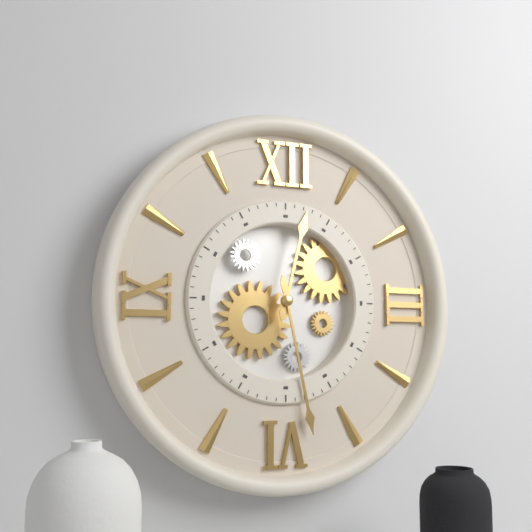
12:28
